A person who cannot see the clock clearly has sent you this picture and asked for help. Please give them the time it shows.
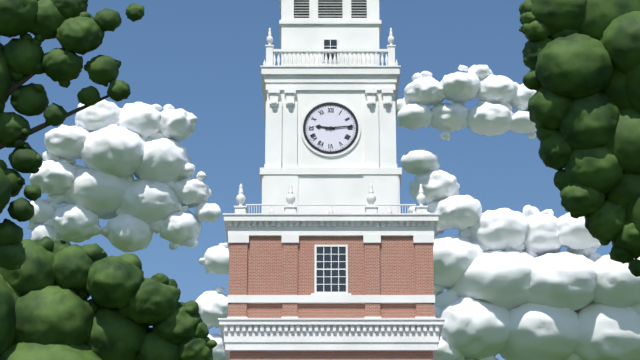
9:14
